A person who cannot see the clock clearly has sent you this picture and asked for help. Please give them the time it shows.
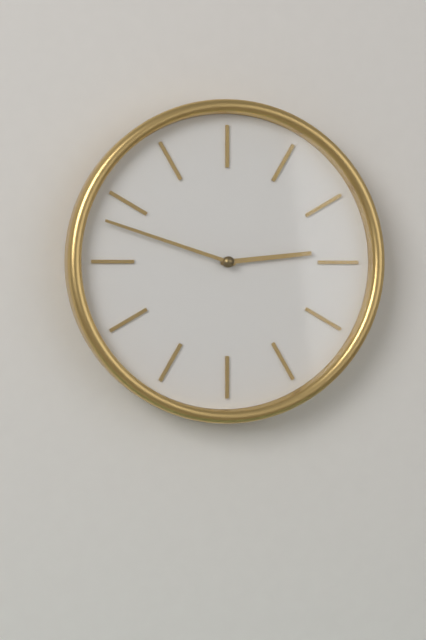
2:48
